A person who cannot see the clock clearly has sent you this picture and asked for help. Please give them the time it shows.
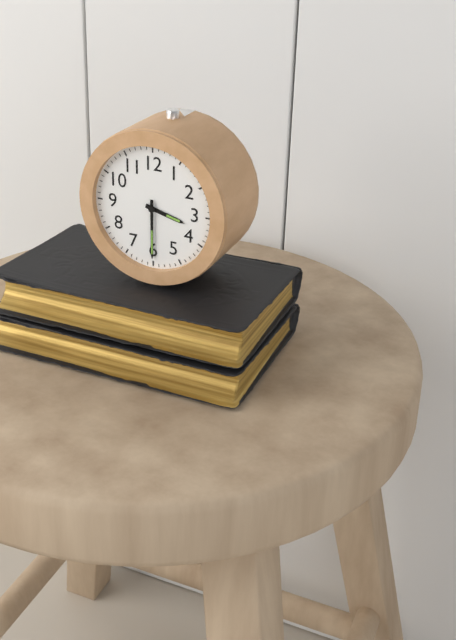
3:30
